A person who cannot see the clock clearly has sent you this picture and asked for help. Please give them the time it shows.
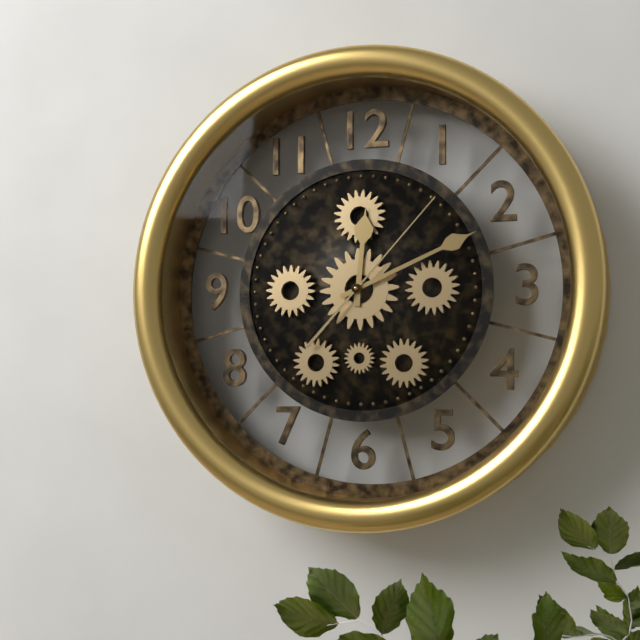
12:11:07
